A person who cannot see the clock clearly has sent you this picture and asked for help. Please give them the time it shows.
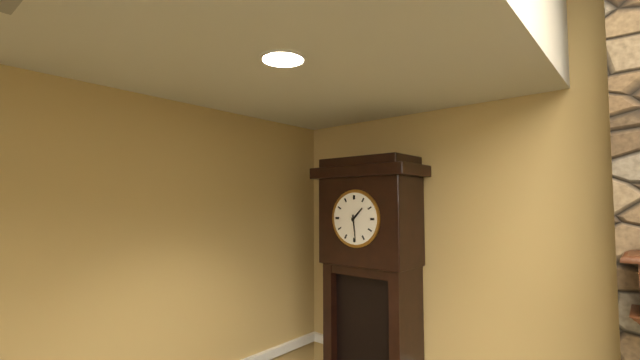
1:29
